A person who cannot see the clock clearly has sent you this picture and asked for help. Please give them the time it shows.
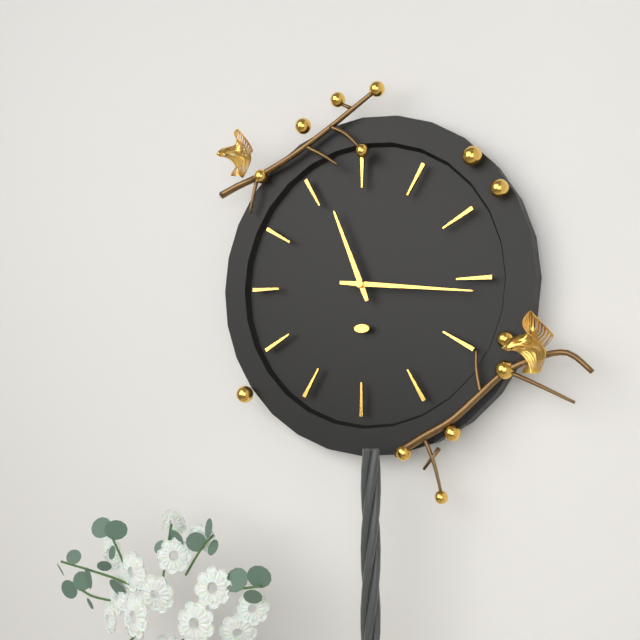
11:16
